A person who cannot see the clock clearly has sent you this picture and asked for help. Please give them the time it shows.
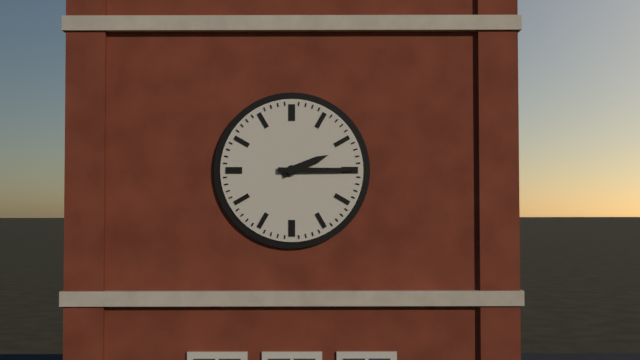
2:15
